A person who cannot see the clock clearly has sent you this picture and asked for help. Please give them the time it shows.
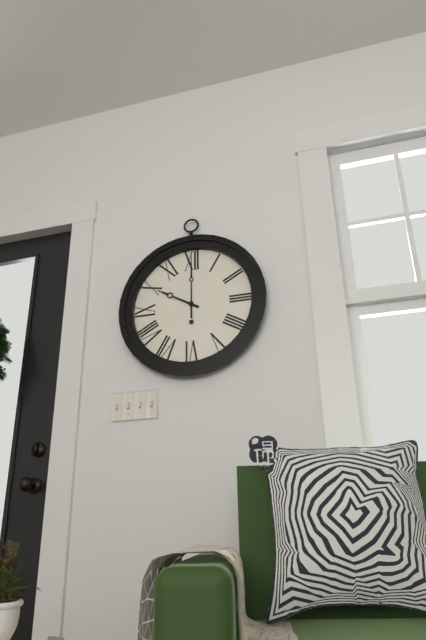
10:00
